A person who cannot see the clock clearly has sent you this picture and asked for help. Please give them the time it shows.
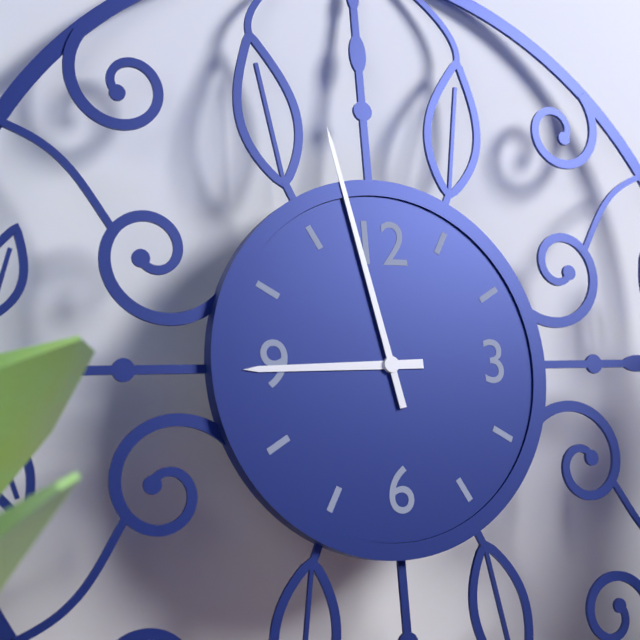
8:58
